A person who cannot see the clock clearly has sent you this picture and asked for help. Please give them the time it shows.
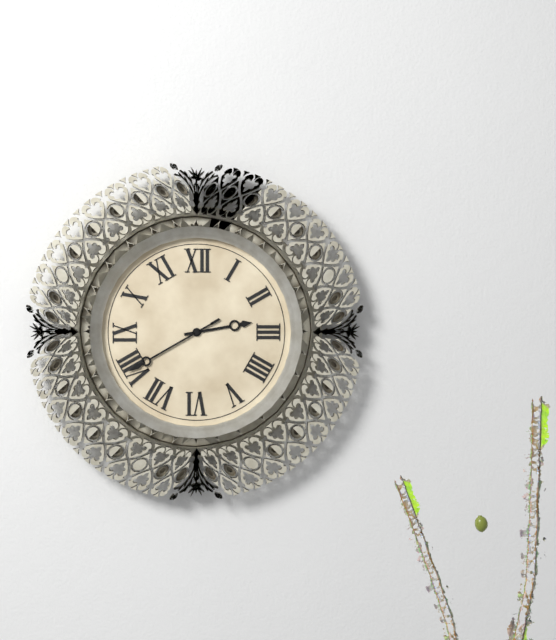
2:40
